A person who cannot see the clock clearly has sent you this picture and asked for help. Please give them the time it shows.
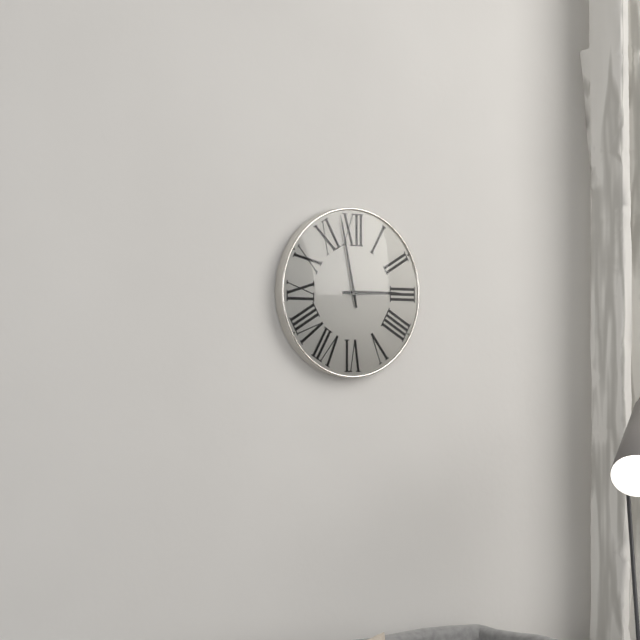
2:58
